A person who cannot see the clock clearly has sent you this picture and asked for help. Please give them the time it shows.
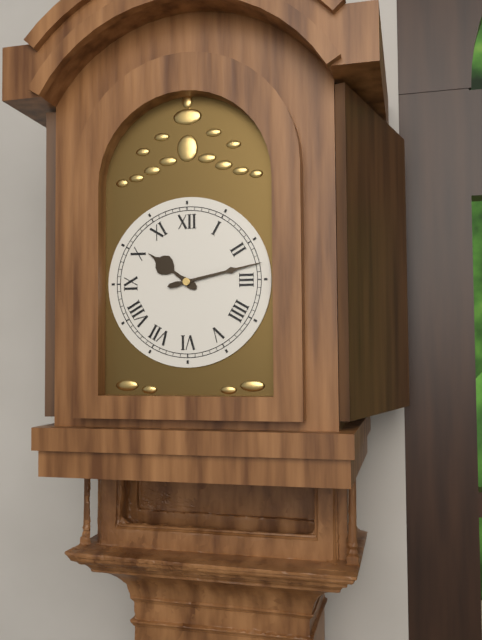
10:13
